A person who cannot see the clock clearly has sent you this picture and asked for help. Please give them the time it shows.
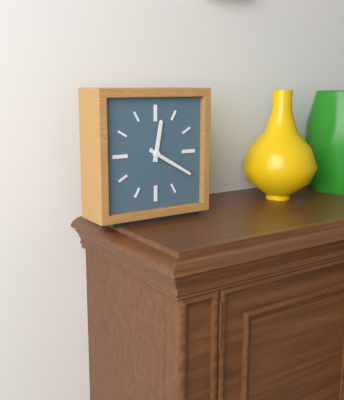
12:20
